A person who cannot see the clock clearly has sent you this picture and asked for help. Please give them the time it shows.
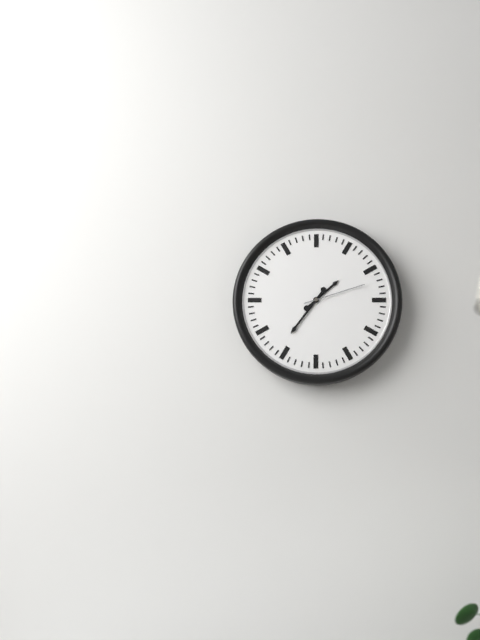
1:36:12
